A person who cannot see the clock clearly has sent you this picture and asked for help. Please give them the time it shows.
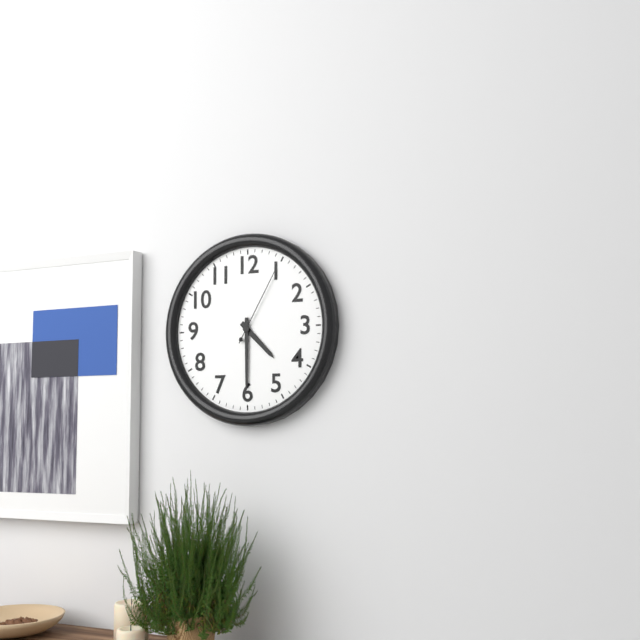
4:30:05
